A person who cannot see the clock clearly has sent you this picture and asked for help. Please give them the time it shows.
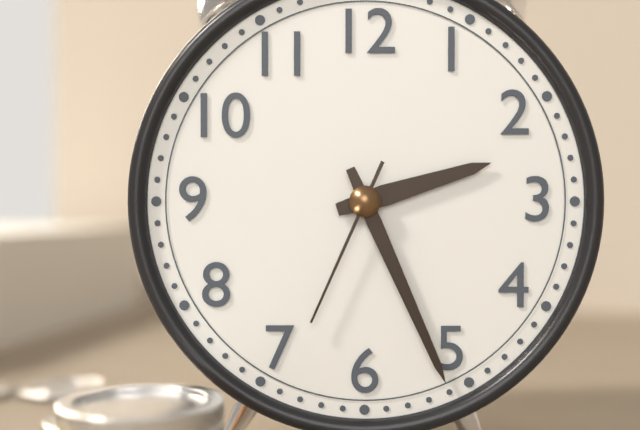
2:26:34
